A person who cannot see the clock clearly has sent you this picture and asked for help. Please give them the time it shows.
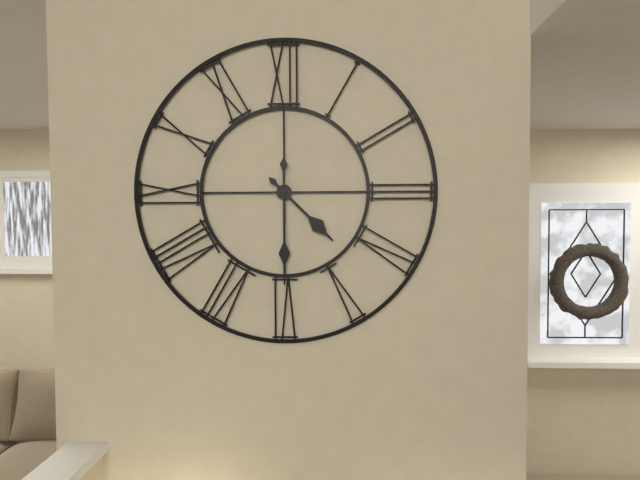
4:30
